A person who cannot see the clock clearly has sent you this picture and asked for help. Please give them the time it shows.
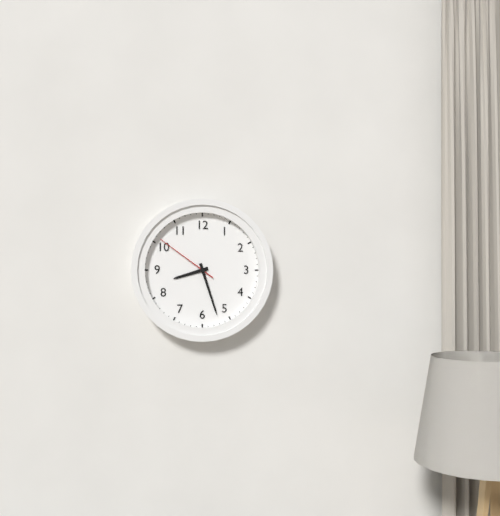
8:27:51
